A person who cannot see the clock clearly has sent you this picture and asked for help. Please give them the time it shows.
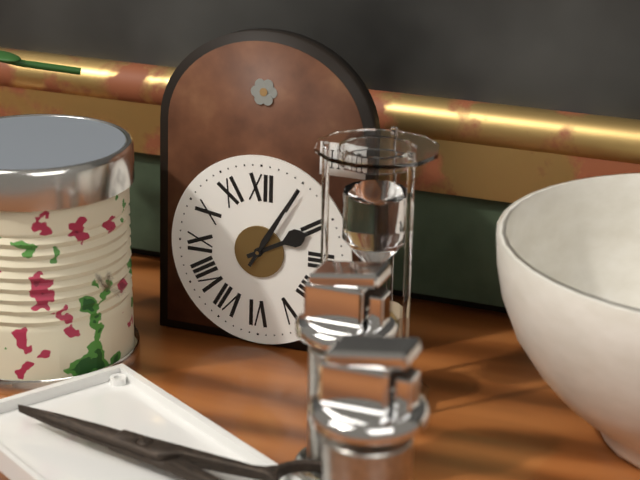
2:05
